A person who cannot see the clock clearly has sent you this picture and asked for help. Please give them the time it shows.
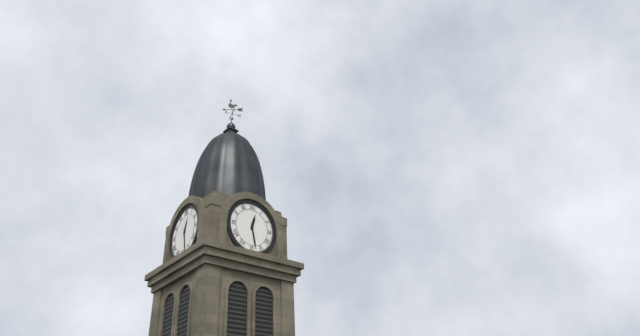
12:28
